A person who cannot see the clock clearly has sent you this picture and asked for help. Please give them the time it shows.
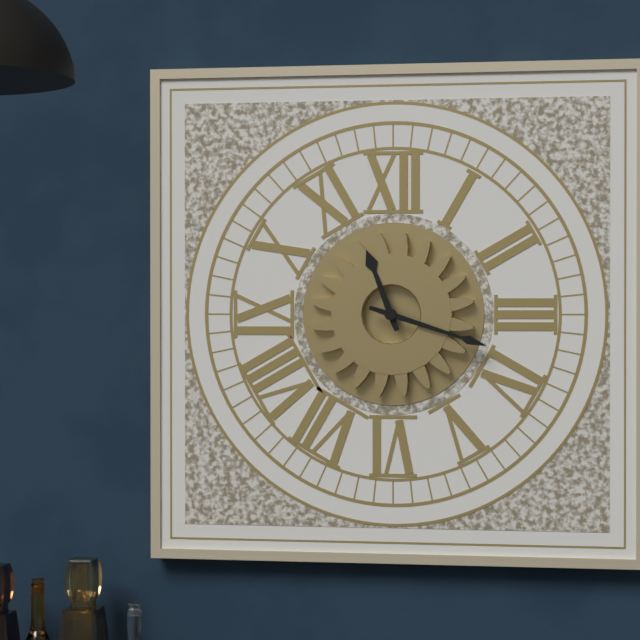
11:18
